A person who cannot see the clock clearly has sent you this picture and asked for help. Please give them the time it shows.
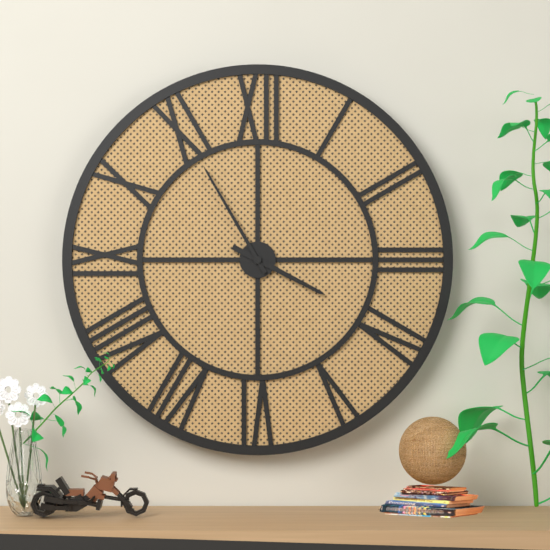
3:55
